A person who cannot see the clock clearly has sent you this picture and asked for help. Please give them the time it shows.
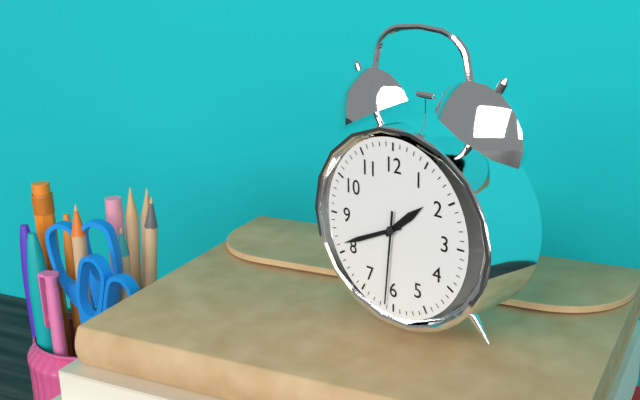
1:41:31
